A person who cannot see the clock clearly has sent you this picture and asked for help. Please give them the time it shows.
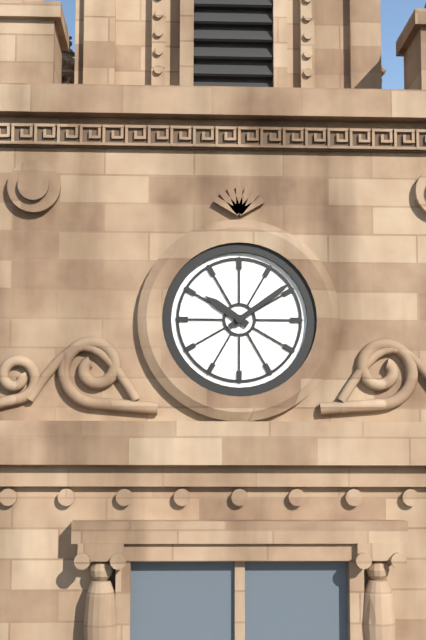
10:09
